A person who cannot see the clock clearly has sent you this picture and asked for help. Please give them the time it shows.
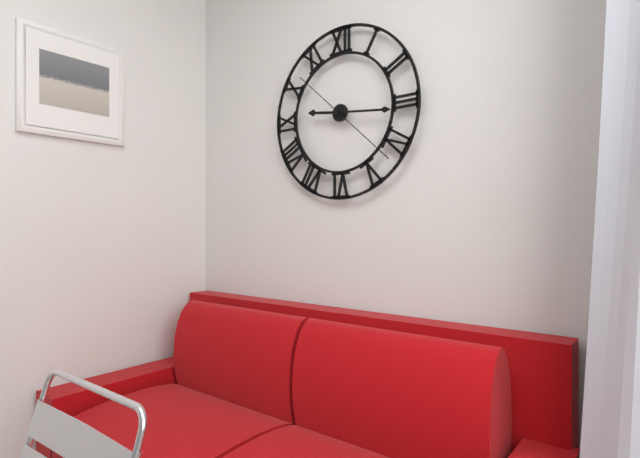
9:16:22
